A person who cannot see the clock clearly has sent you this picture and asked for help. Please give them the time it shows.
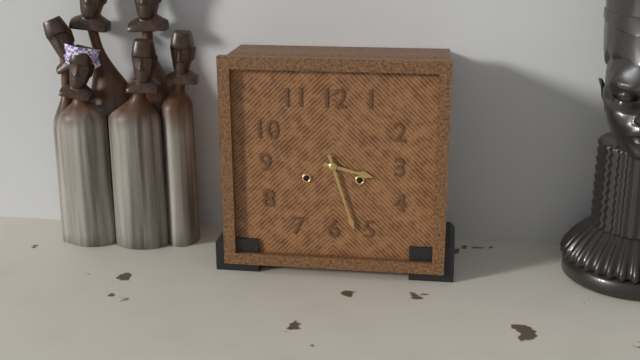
3:27
